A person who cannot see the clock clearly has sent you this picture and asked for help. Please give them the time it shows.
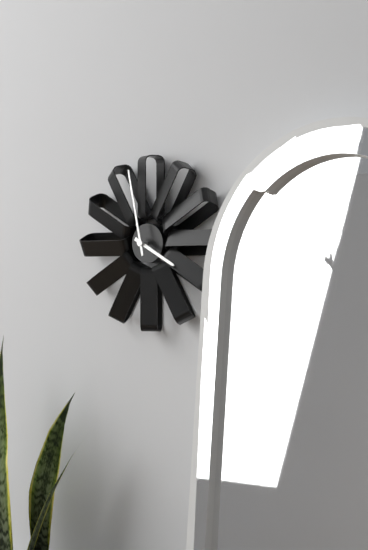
3:58
